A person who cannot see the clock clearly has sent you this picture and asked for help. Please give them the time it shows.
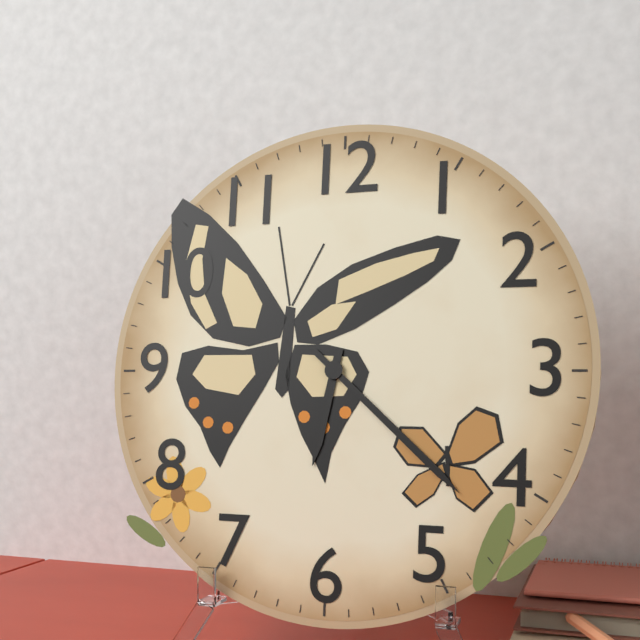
6:22
